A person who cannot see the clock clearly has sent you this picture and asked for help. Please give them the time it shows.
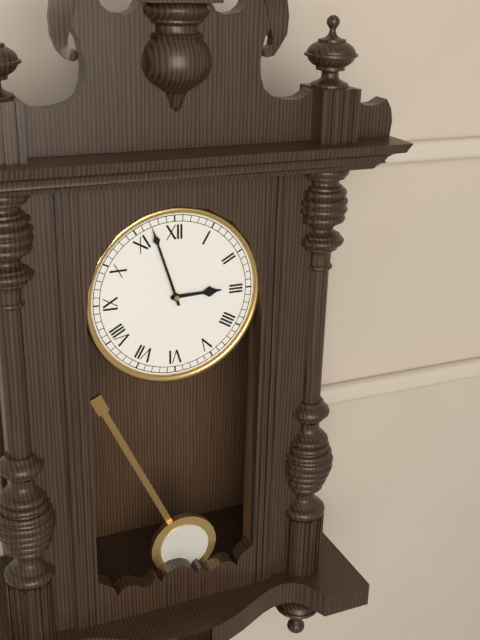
2:57
